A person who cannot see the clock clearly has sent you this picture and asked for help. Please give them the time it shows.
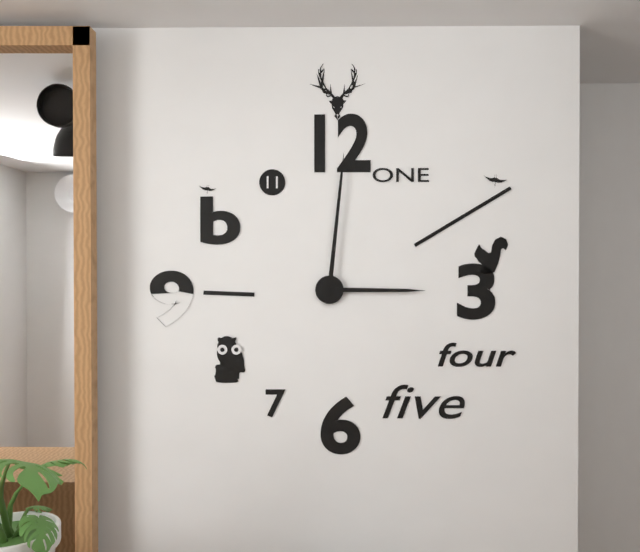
3:01
